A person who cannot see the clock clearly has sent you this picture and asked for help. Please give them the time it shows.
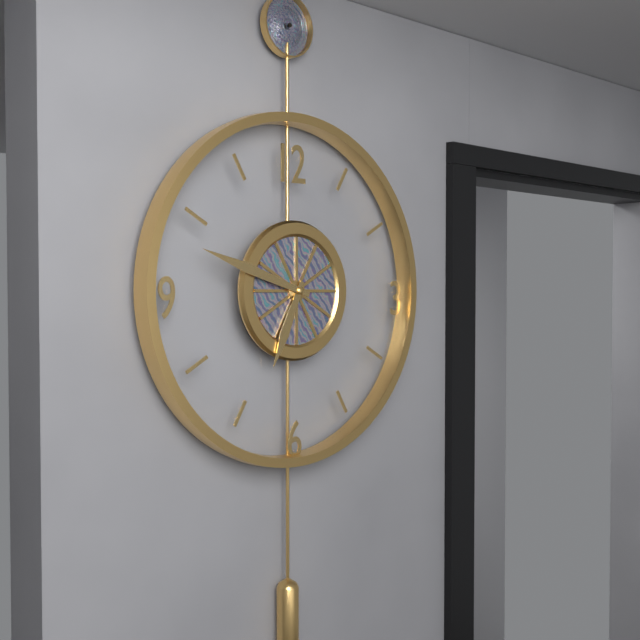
6:48
